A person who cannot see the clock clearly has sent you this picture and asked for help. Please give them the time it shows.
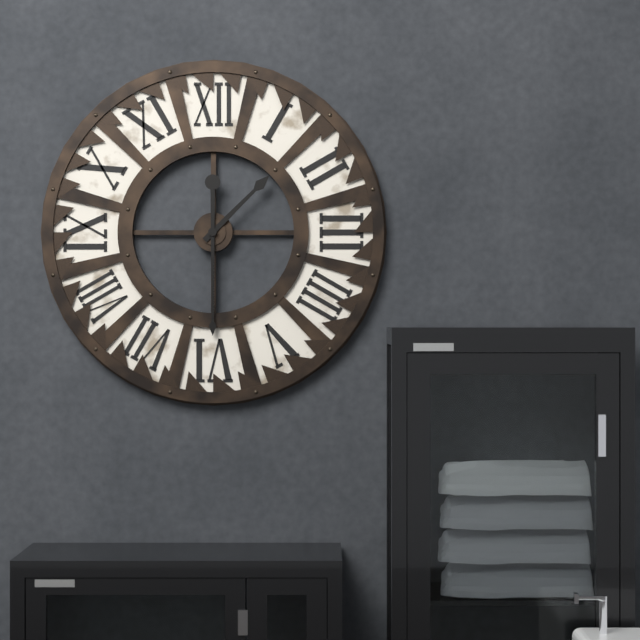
1:30
